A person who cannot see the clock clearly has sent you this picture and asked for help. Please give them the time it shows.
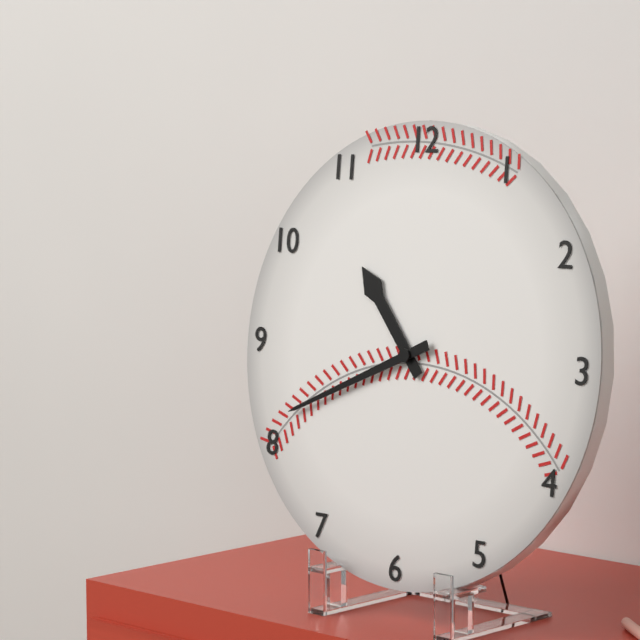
10:41
